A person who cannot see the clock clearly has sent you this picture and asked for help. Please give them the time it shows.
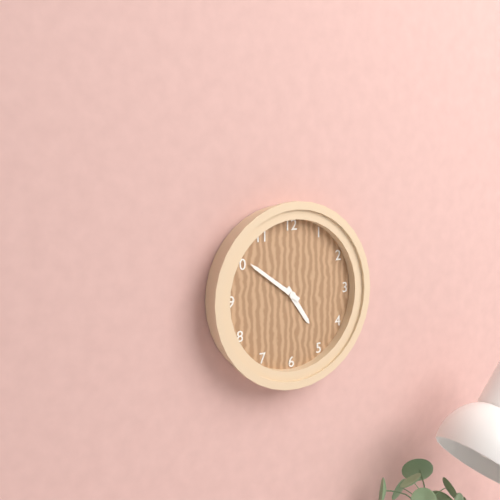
4:51
